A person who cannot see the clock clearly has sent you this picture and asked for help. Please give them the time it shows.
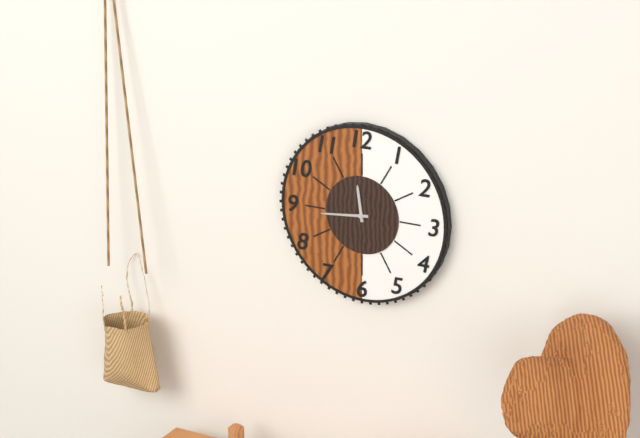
11:44
